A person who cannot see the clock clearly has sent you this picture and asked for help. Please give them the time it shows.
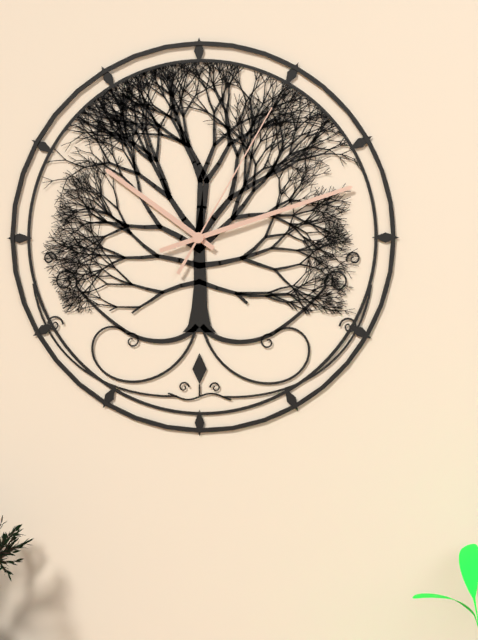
10:12:05
